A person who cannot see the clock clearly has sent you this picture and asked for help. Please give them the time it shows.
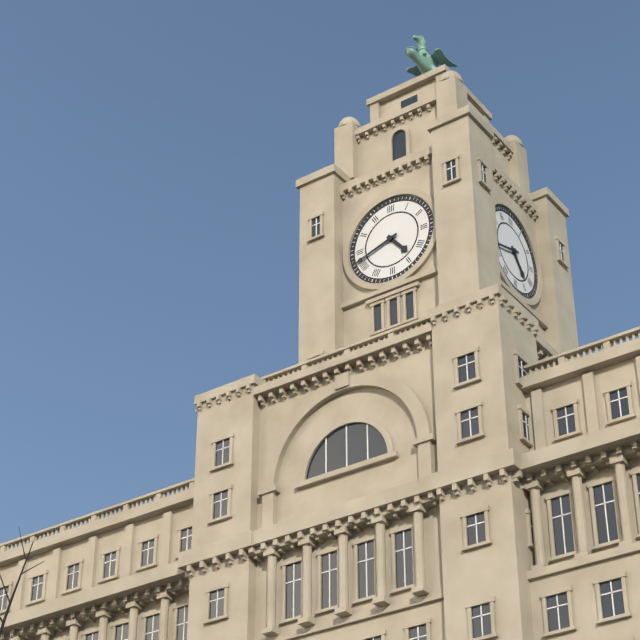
4:42
